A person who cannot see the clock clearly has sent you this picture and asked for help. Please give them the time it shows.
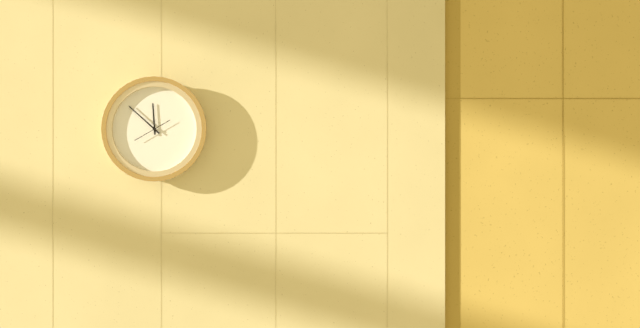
11:52
